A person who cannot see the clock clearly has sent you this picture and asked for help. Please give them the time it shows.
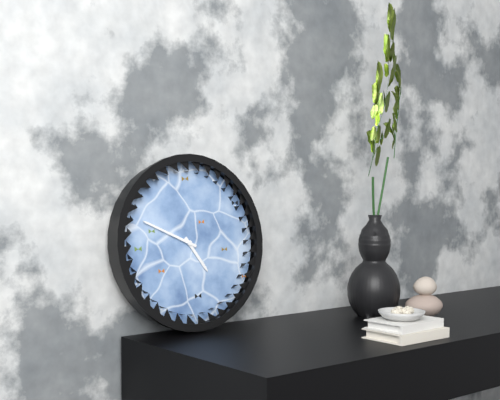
4:49
